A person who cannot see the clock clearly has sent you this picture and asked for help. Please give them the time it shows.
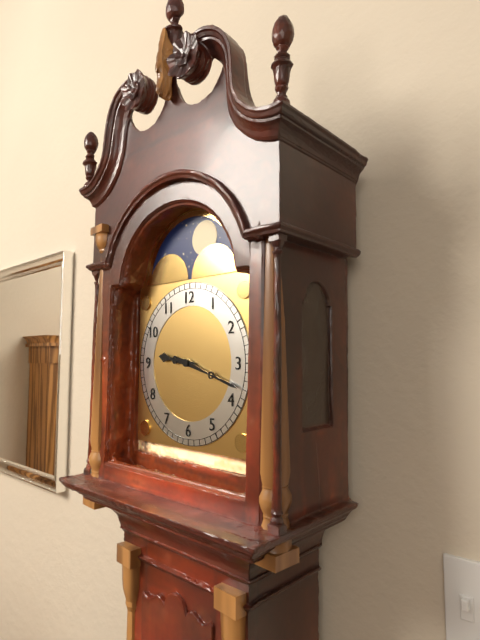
9:18
